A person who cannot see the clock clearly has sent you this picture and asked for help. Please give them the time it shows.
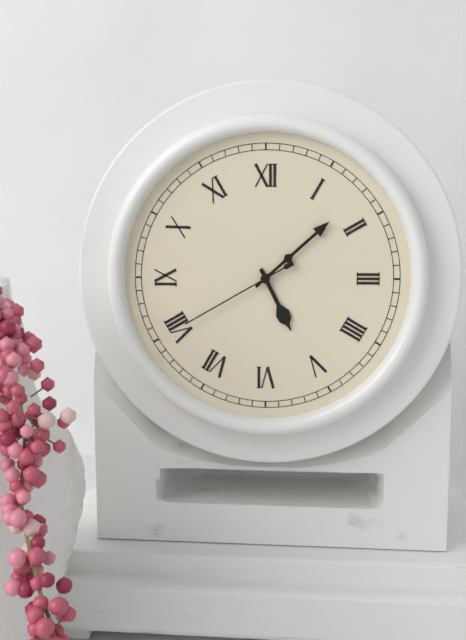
5:08:40
